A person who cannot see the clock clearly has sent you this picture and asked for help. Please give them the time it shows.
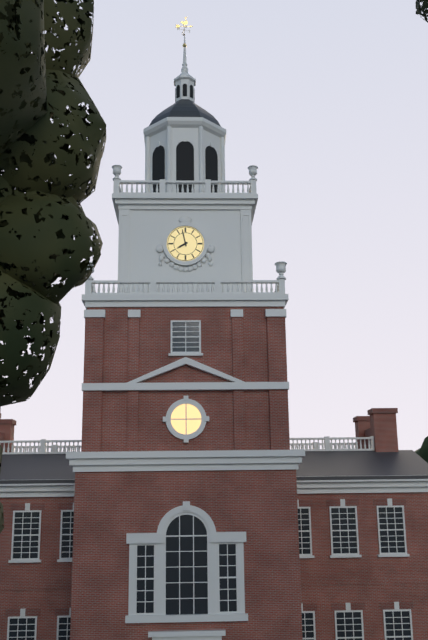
7:58
